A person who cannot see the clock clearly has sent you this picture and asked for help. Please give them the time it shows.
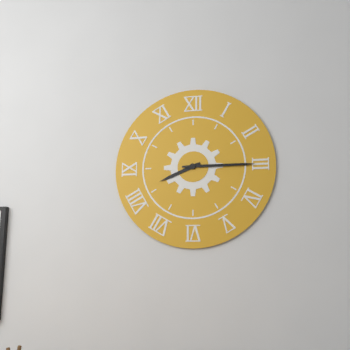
8:15
